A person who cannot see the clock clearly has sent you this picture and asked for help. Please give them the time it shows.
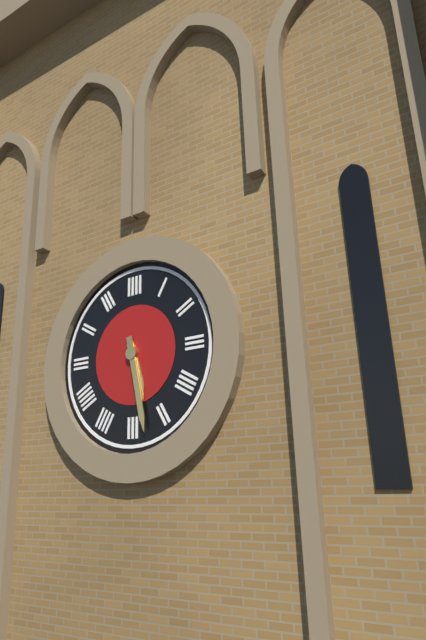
5:28
